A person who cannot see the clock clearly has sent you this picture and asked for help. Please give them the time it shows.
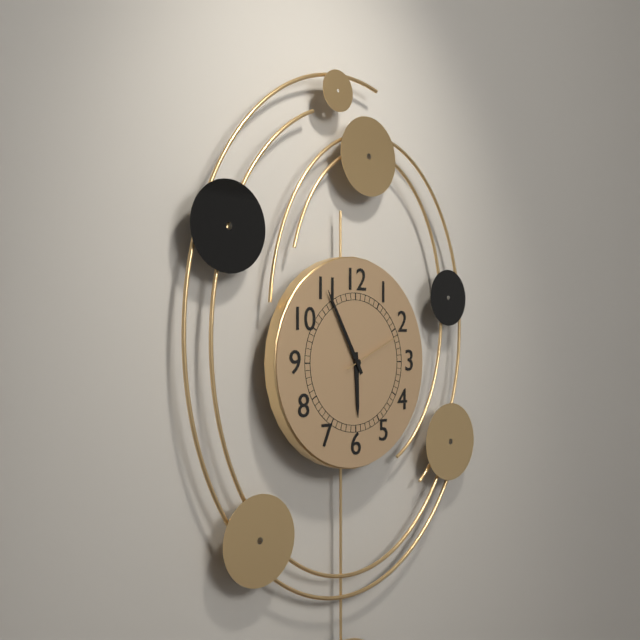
5:55:11
